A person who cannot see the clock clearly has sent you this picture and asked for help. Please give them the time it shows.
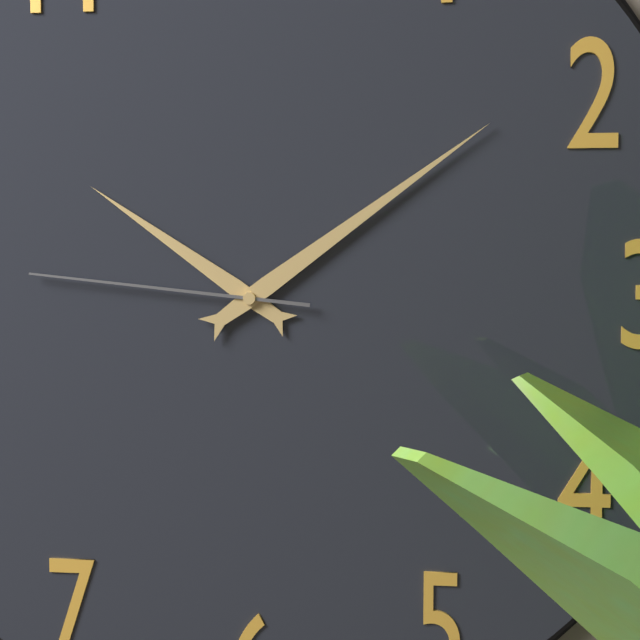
10:09:46
